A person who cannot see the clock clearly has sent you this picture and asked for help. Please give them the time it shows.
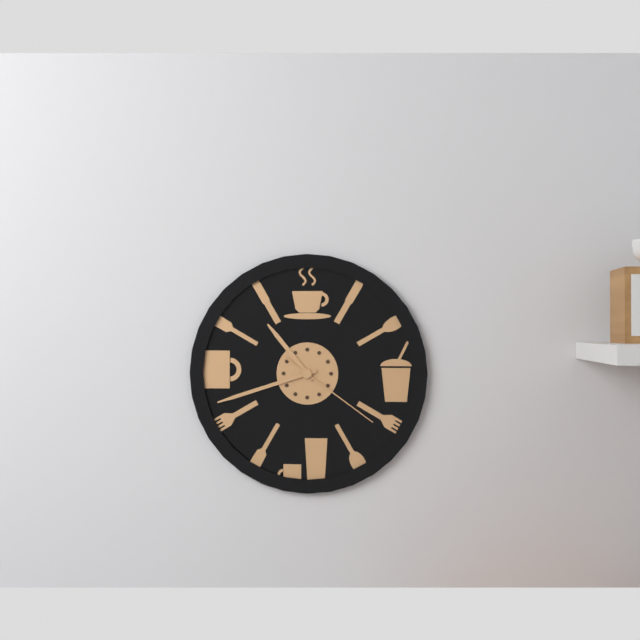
10:42:21
